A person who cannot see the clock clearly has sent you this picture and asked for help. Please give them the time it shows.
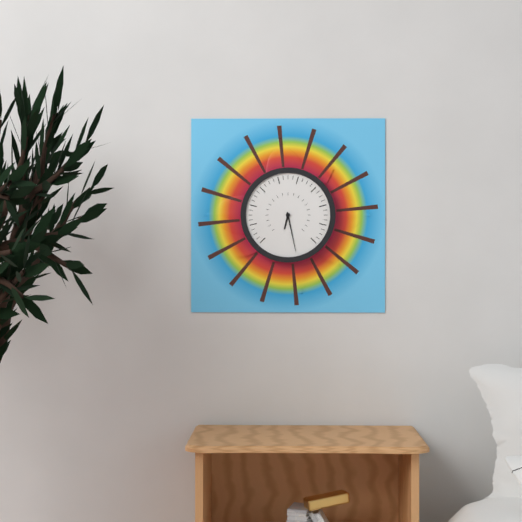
6:28
